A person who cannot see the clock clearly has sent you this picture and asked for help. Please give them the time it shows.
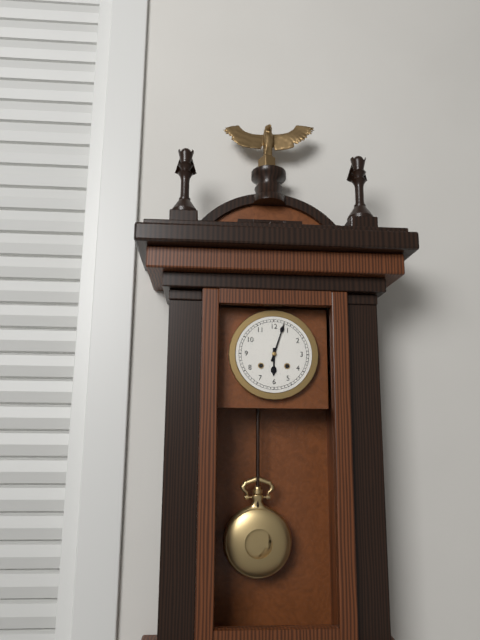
6:03
